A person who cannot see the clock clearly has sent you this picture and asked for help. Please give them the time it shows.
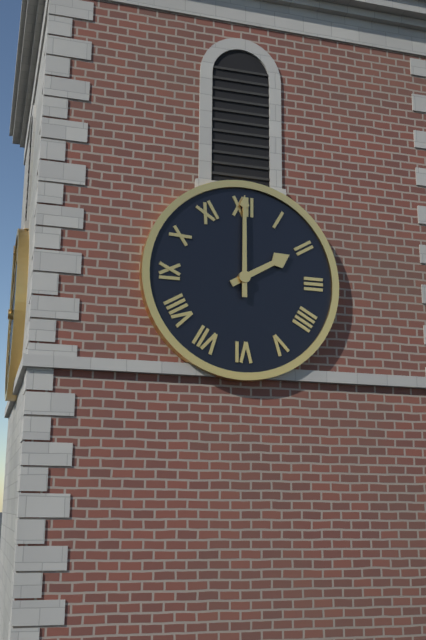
2:00
